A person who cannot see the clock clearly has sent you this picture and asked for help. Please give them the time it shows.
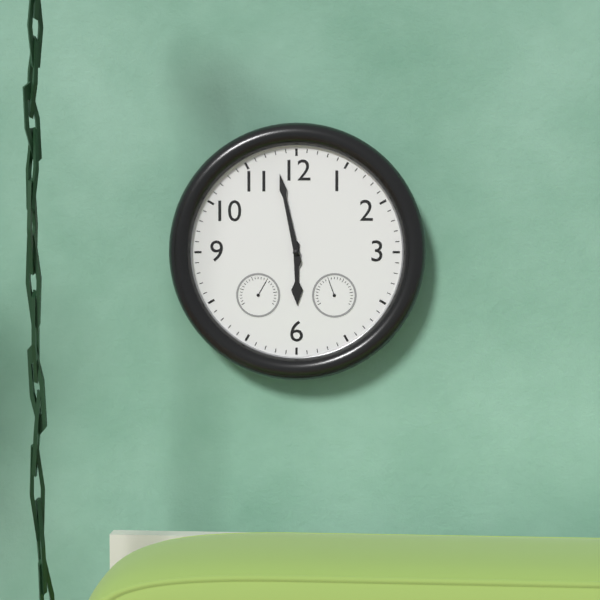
5:58
